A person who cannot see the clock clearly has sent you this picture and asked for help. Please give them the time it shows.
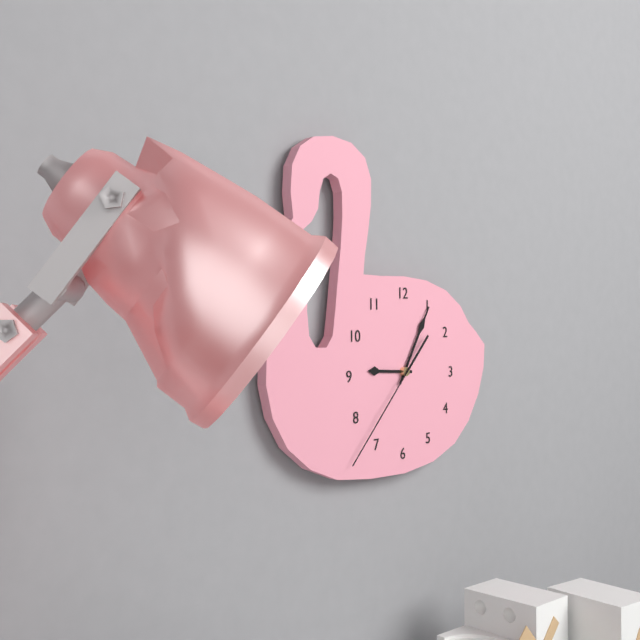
9:05:37
